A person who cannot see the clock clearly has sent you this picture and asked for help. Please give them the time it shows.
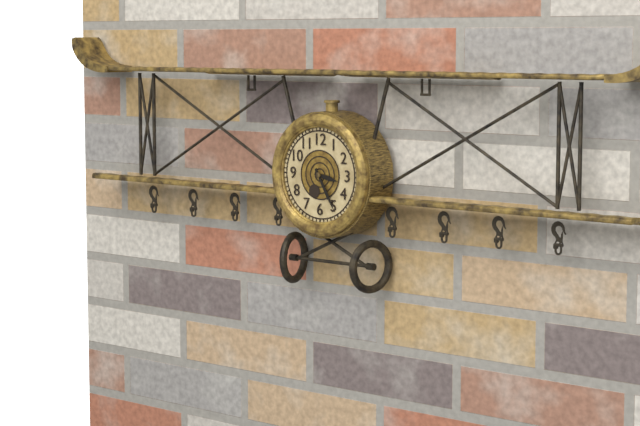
3:25
